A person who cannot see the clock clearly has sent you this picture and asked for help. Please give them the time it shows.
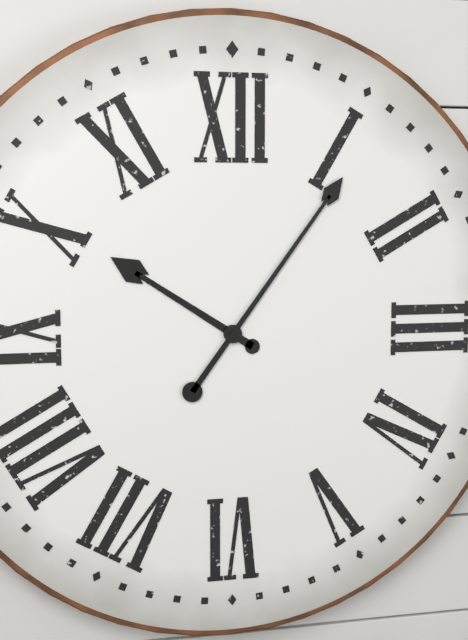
10:06
